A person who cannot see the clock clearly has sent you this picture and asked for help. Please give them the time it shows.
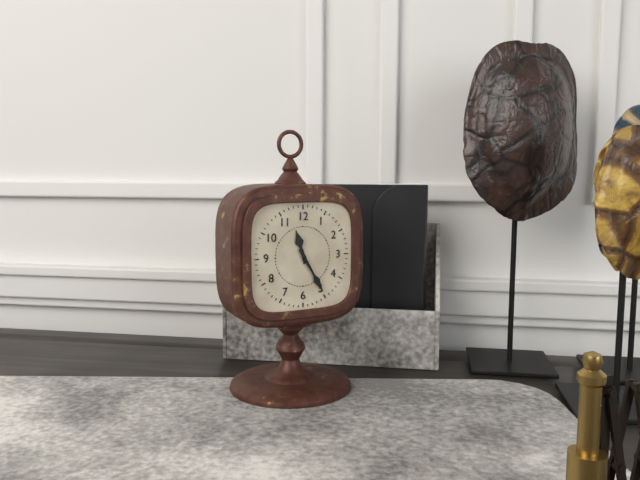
11:25
